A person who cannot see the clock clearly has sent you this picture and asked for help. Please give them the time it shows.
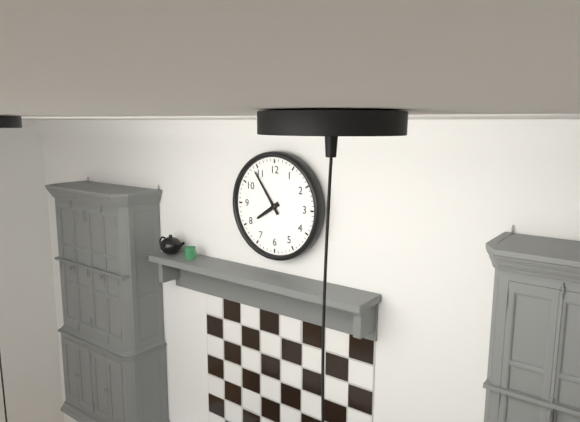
7:54
